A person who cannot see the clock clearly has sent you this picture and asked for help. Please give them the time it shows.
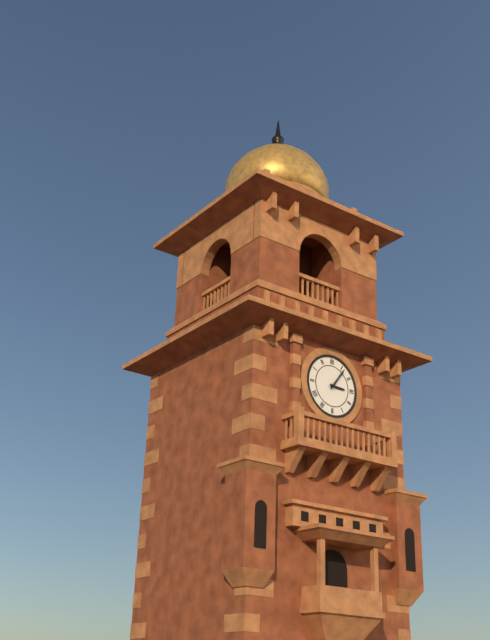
3:06
